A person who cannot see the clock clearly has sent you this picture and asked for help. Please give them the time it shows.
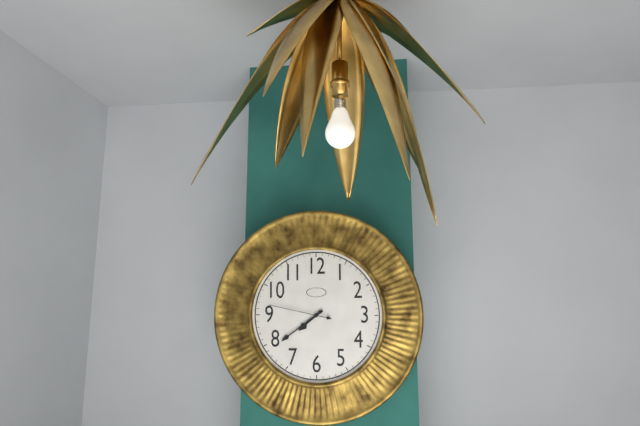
7:39:47
